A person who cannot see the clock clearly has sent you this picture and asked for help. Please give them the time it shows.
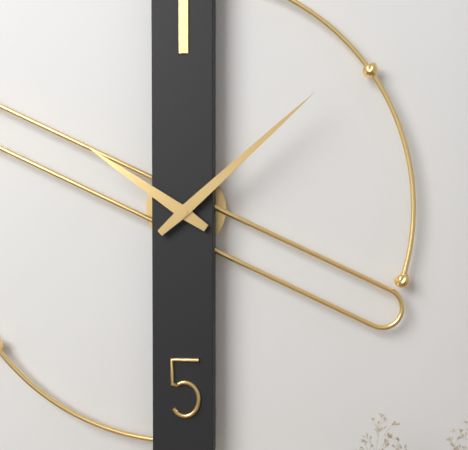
10:08
